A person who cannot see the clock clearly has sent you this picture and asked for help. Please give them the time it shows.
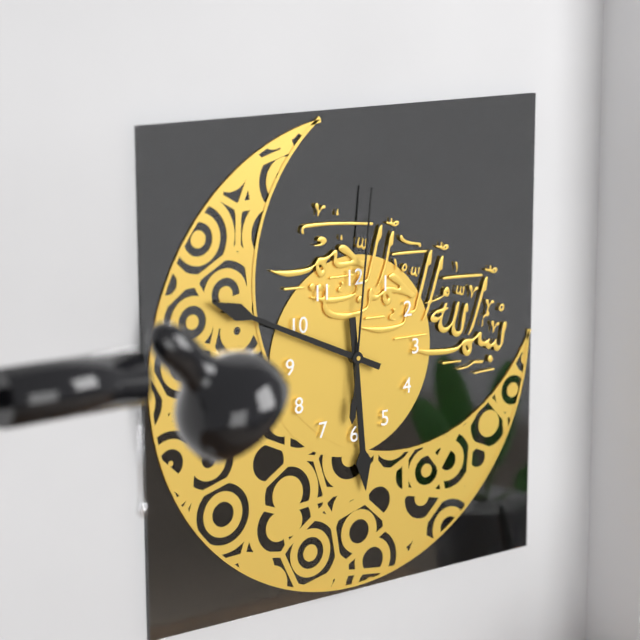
5:49:01
